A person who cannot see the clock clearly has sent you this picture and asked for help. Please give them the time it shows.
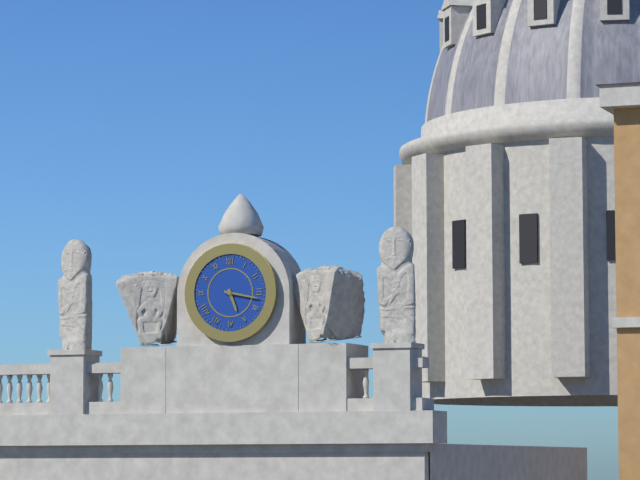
5:17
